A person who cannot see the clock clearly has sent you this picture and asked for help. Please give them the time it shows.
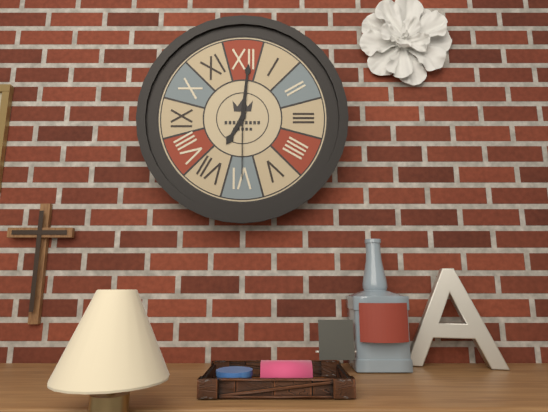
7:01:30
